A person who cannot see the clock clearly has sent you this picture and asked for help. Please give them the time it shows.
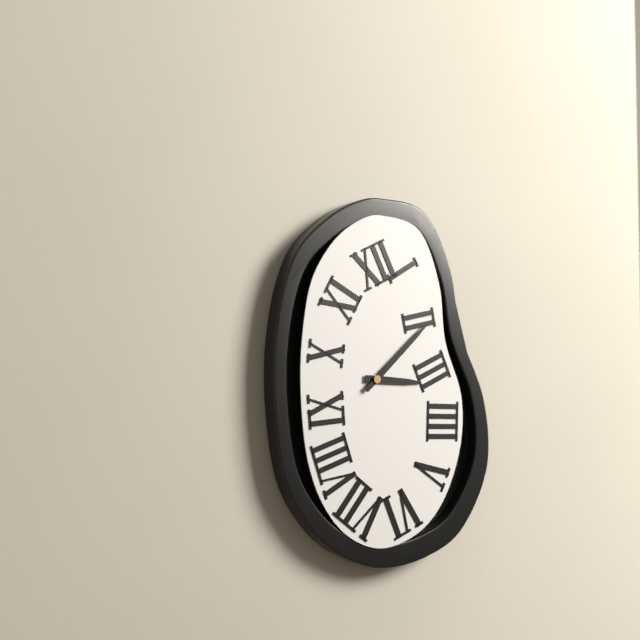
3:08
